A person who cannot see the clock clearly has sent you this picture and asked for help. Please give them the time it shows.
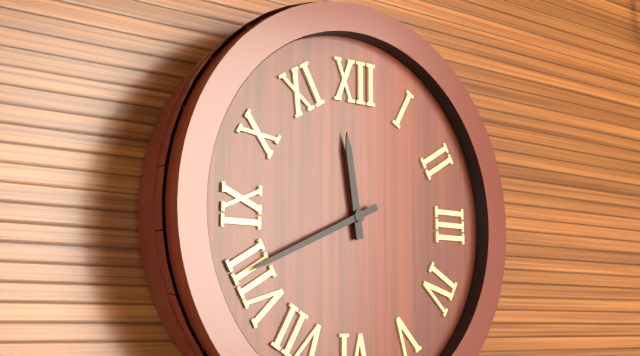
11:41
